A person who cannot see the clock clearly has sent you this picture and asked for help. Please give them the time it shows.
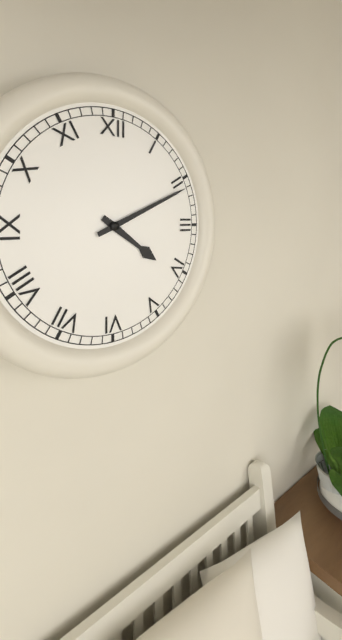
4:11
